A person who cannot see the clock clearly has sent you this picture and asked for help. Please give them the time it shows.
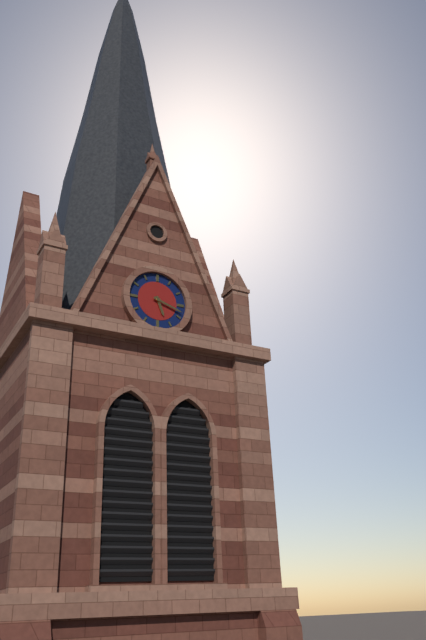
5:18
